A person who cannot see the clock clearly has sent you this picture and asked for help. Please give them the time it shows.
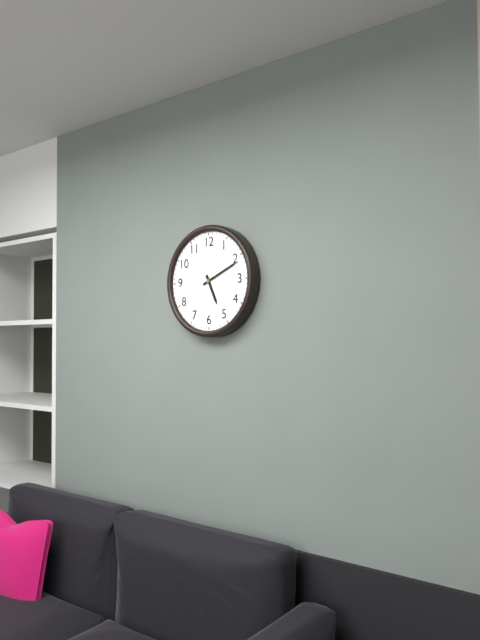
5:11
